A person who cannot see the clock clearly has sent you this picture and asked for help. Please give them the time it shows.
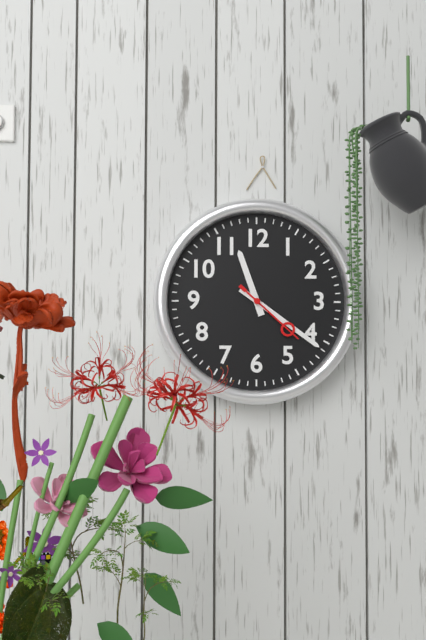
11:21:22
